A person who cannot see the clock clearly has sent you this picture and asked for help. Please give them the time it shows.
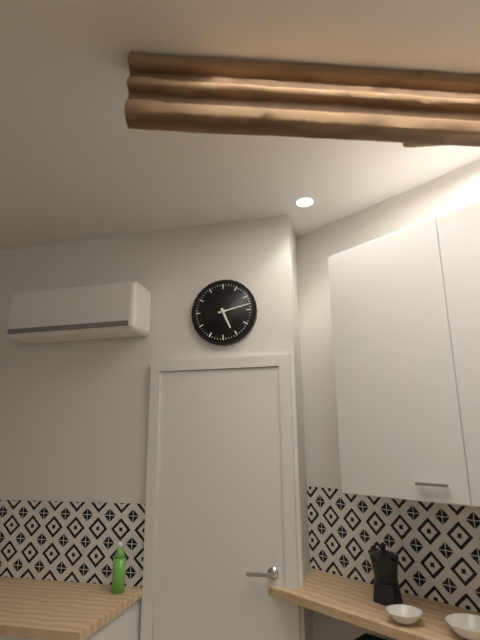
5:13
